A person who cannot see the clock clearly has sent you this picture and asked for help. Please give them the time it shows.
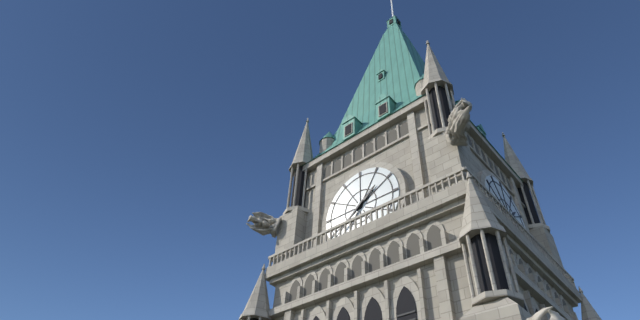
1:38
